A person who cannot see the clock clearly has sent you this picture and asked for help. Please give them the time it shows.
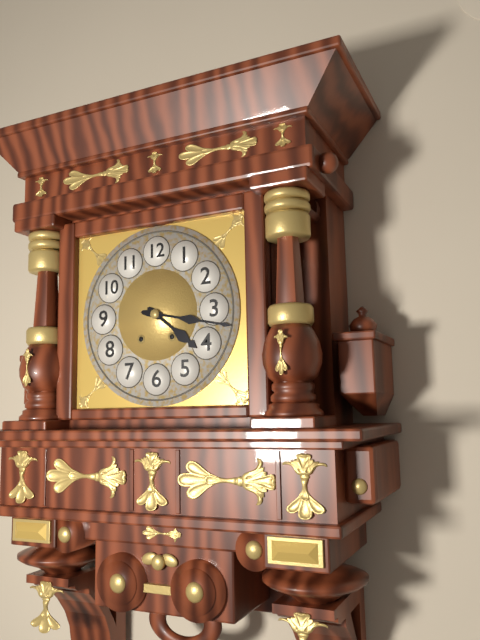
4:17
